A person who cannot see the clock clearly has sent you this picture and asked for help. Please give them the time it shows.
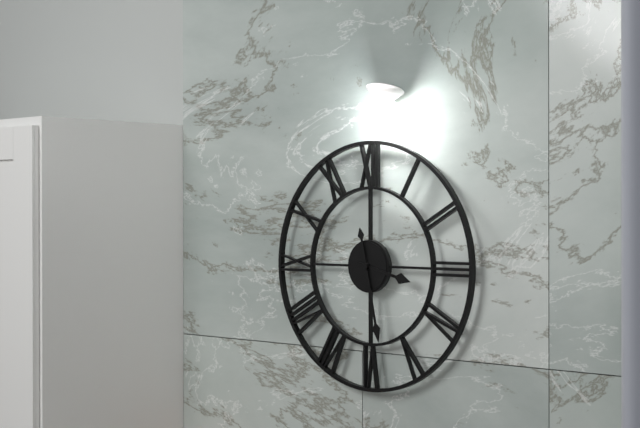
3:28
